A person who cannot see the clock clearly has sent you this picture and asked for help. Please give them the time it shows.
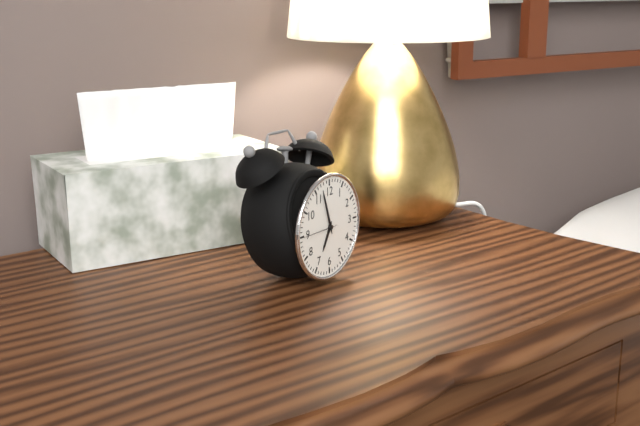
6:57
